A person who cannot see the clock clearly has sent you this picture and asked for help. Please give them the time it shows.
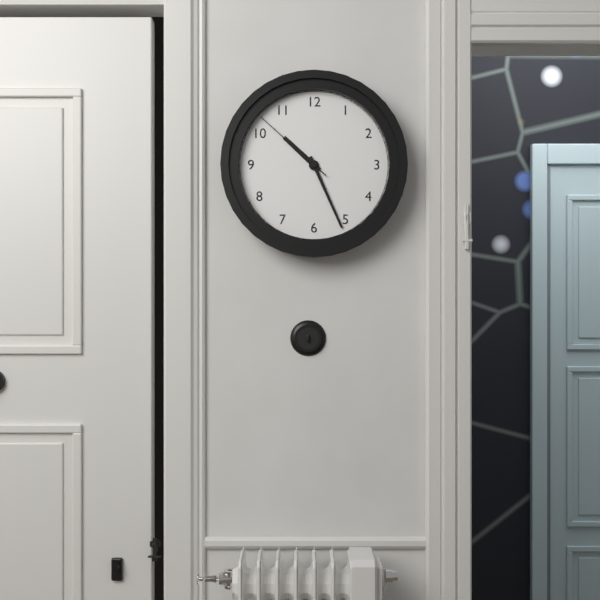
10:26:52
